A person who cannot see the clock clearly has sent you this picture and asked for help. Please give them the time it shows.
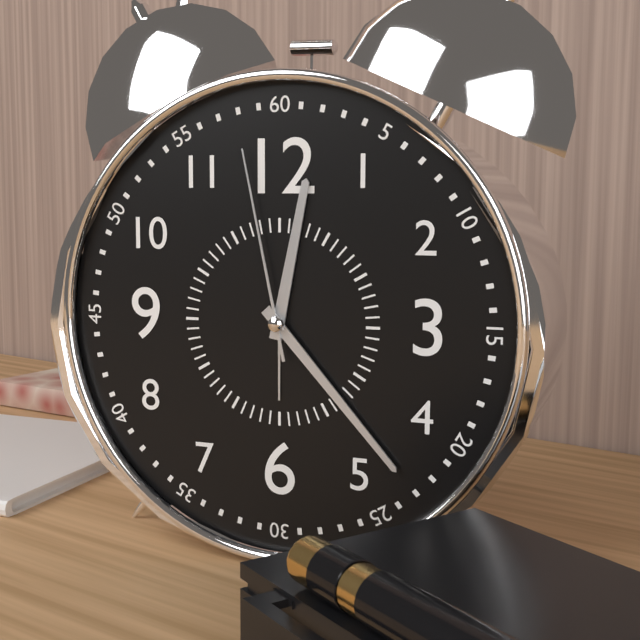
12:23:58
